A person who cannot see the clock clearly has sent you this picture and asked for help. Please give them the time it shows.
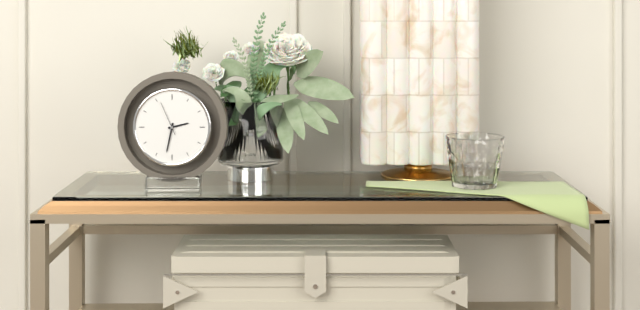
2:32
